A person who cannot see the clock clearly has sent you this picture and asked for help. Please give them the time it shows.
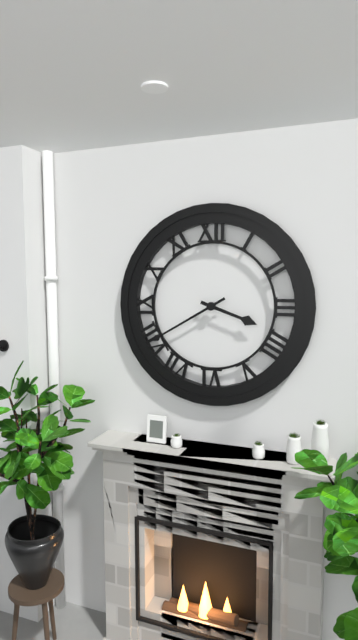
3:40
